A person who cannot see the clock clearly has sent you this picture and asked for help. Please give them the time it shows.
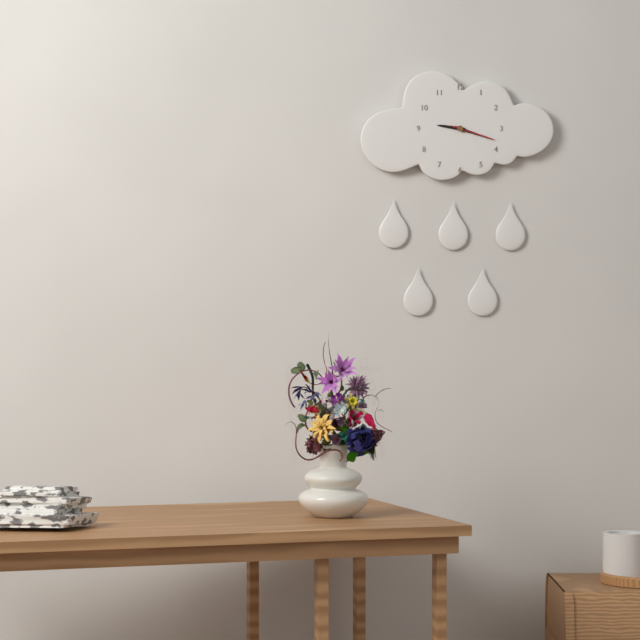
9:18
